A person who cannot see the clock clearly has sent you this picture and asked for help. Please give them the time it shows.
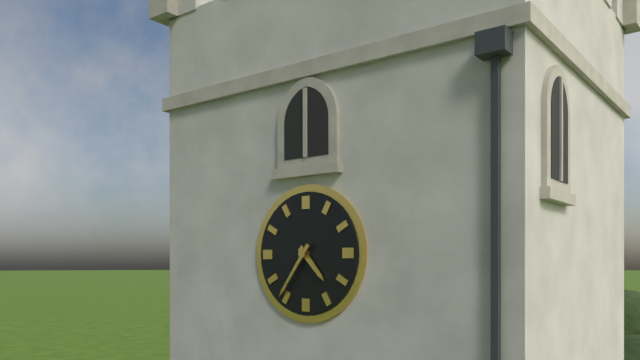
4:36
